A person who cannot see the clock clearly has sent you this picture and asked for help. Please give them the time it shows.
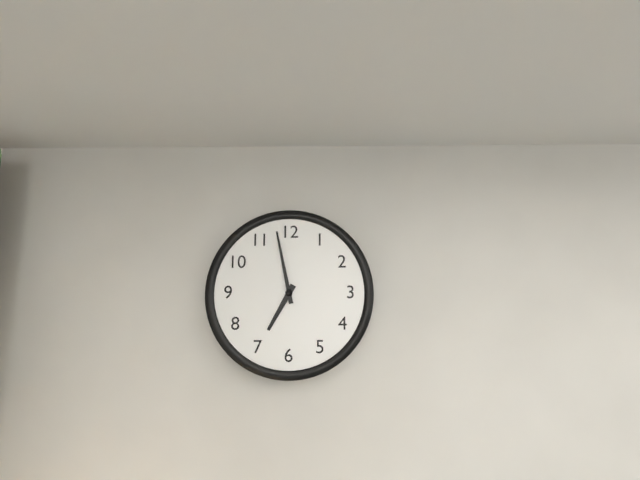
6:58
